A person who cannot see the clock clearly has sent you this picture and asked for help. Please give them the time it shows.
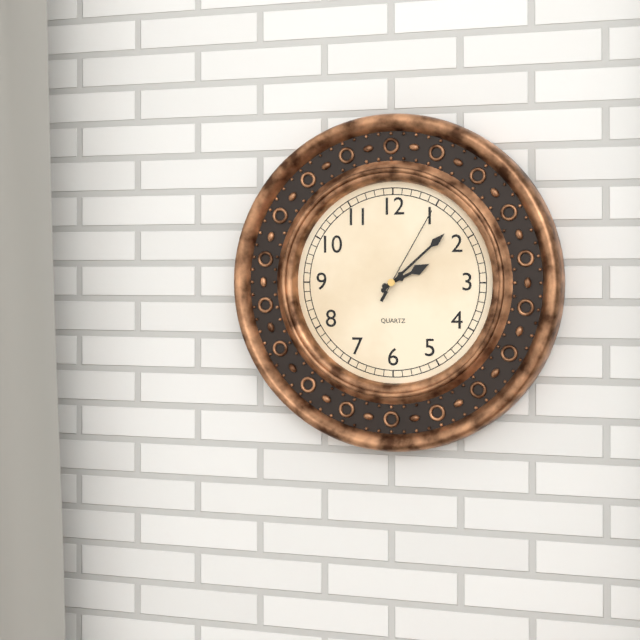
2:08:05
